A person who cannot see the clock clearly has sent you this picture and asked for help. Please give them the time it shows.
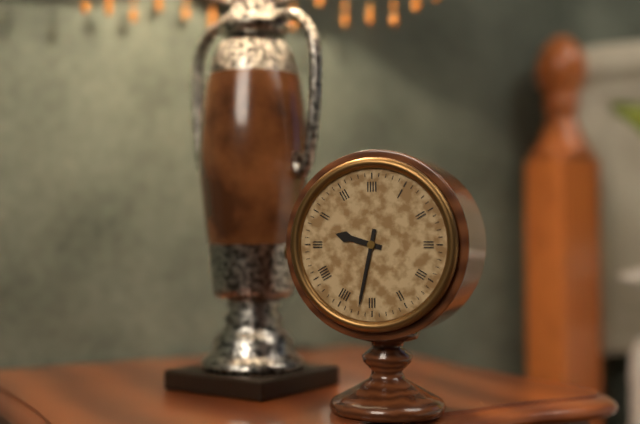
9:32
